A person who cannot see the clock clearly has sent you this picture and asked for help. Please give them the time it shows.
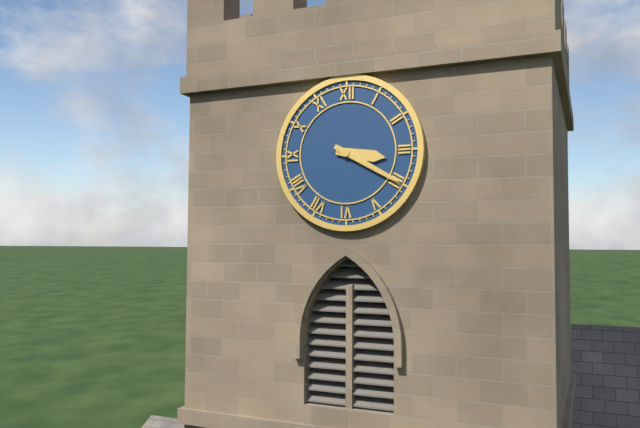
3:20
